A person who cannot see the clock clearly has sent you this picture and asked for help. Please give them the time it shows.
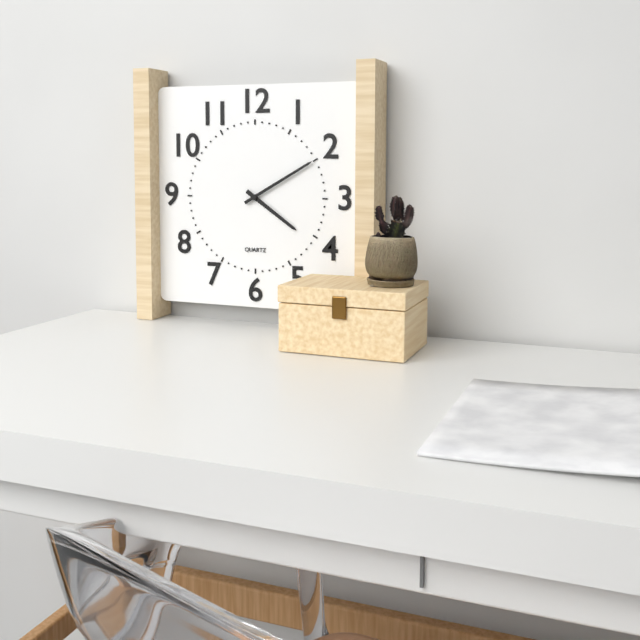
4:10
